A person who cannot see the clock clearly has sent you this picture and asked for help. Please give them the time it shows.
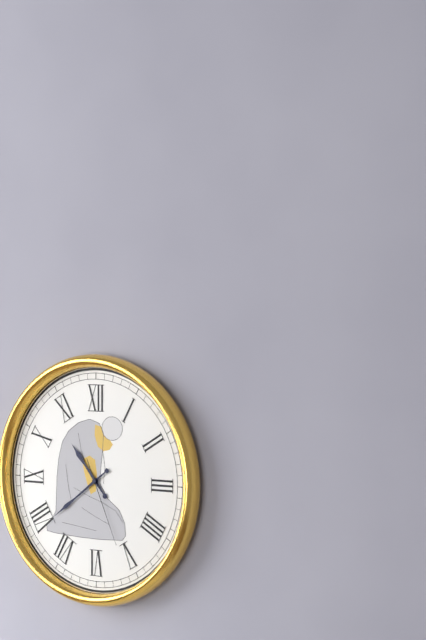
10:39:26
